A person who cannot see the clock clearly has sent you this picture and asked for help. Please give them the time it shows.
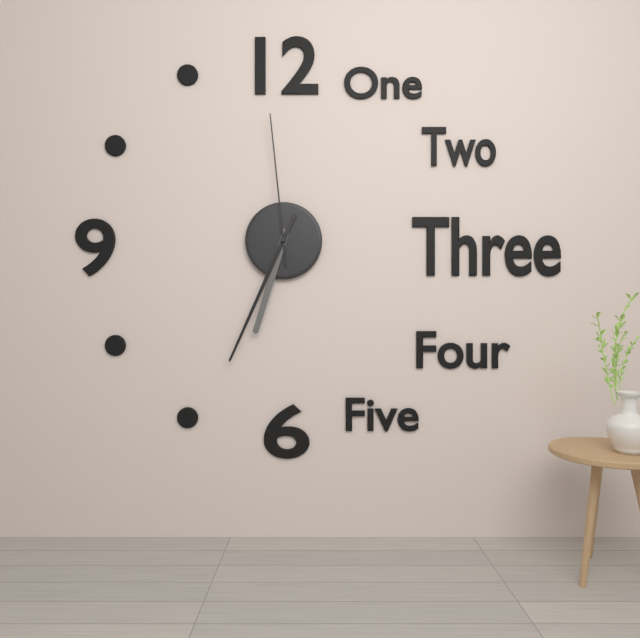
6:34:59
